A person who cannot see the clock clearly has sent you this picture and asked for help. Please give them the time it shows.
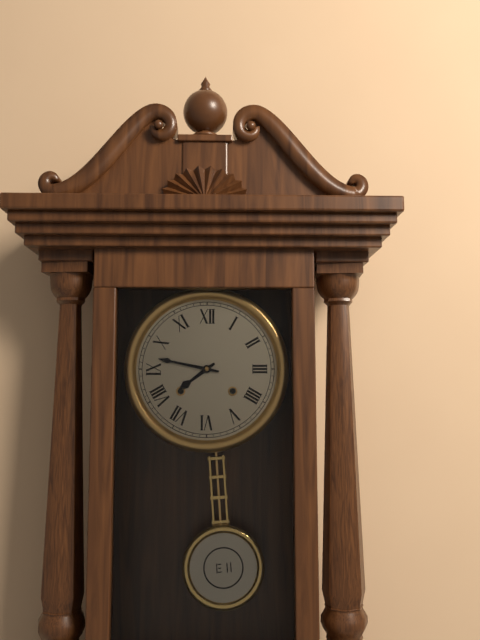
7:47
